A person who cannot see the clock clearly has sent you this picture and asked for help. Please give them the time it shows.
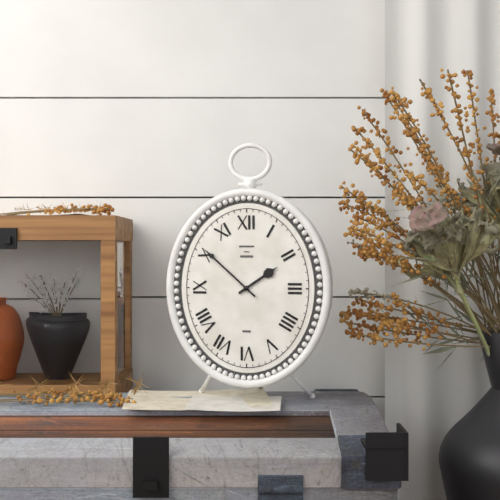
1:52
